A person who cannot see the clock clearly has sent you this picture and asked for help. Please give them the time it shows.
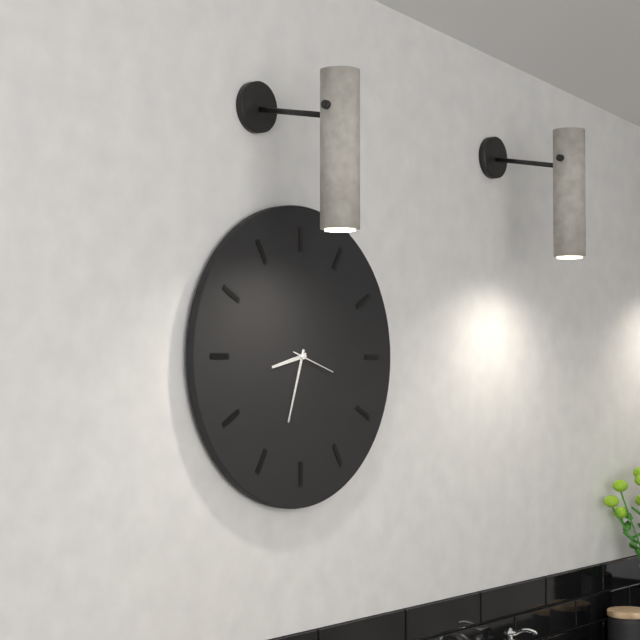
8:33
